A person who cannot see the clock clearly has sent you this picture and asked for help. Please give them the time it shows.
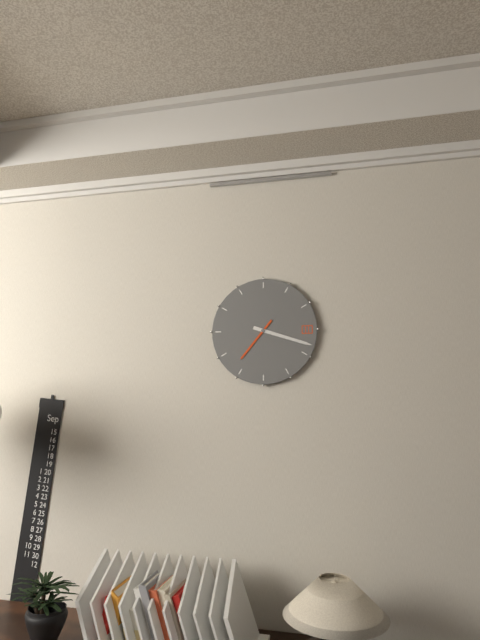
7:18
